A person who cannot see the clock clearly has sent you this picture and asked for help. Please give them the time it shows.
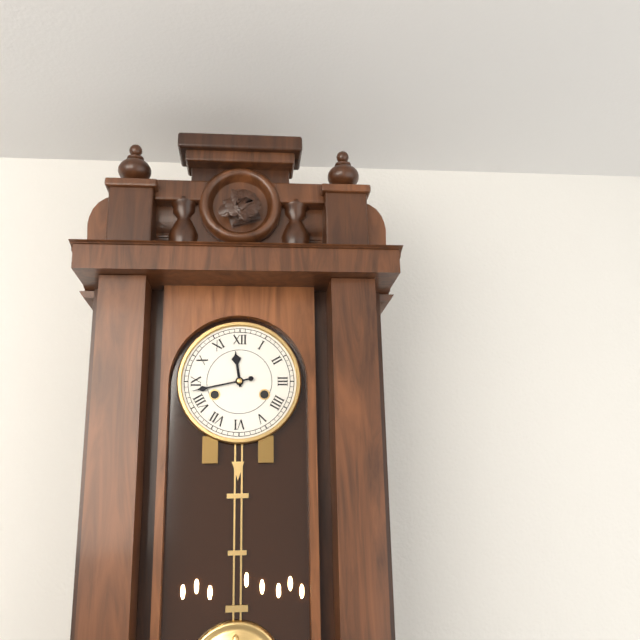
11:43
